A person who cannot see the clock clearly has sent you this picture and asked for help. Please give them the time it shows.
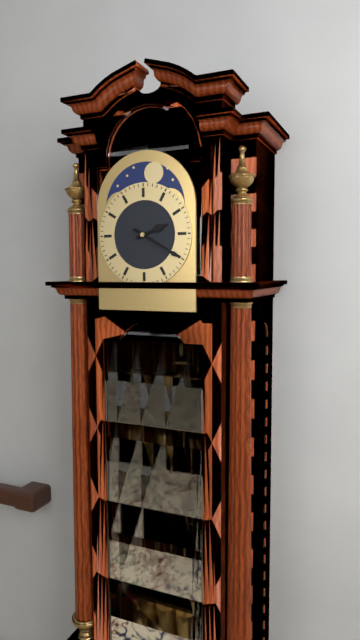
2:20
